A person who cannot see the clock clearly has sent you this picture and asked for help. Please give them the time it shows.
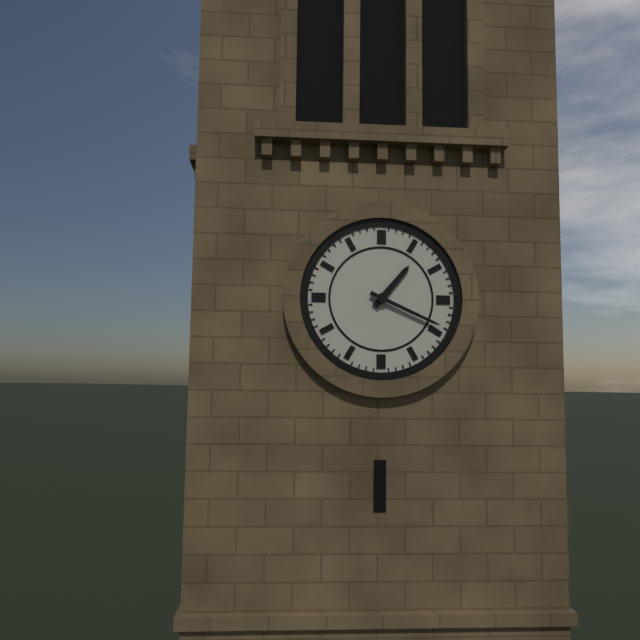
1:19
